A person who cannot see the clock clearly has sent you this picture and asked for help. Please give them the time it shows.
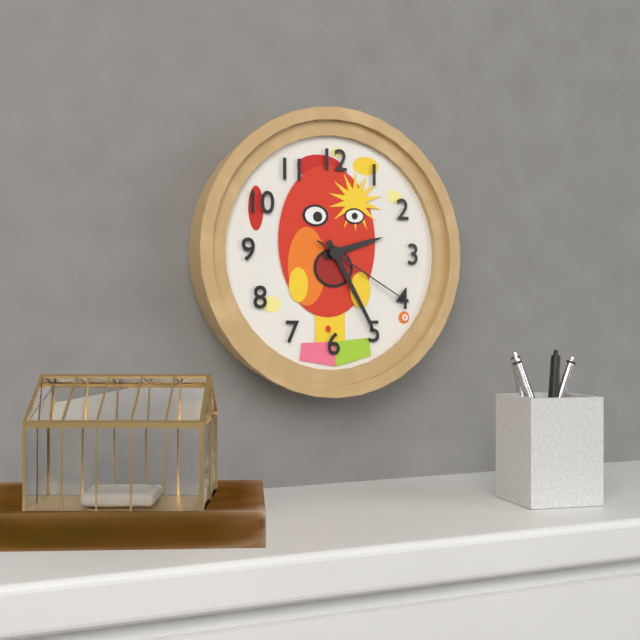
2:25:20
